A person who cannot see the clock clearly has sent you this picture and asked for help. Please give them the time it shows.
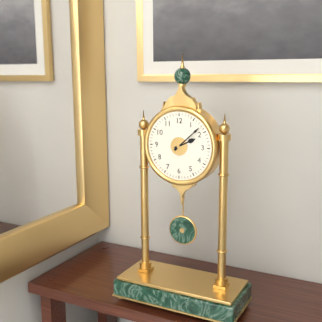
2:08
